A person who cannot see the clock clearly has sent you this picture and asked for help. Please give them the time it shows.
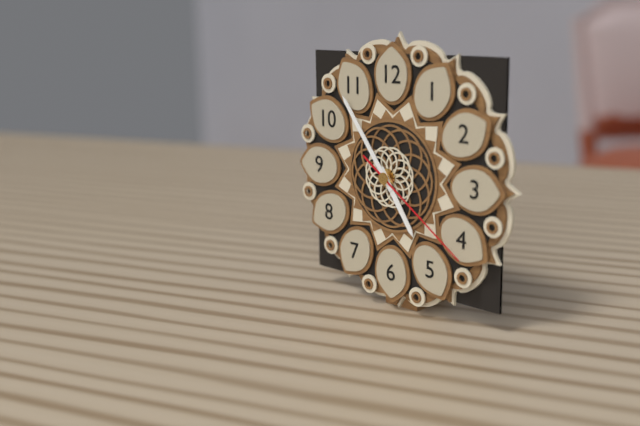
4:54:21
